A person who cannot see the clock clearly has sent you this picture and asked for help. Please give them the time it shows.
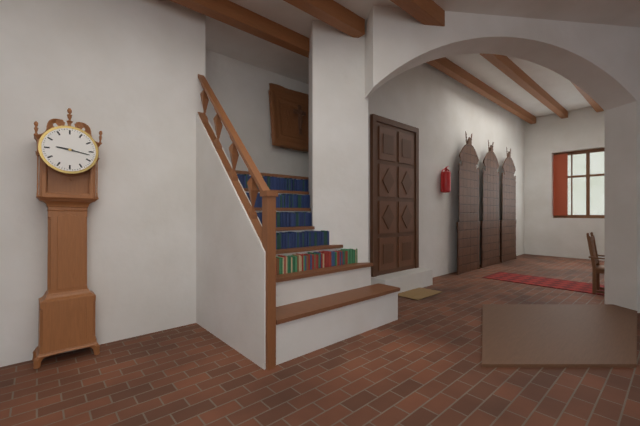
9:17
